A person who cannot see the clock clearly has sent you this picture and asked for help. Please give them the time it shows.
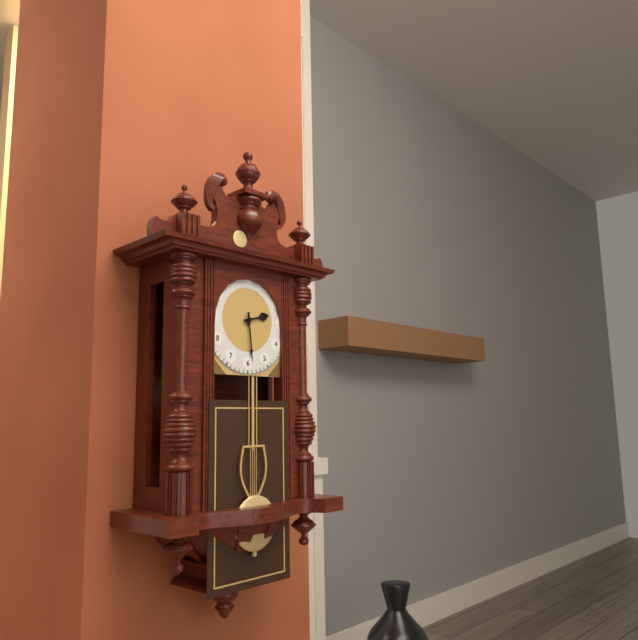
2:29
